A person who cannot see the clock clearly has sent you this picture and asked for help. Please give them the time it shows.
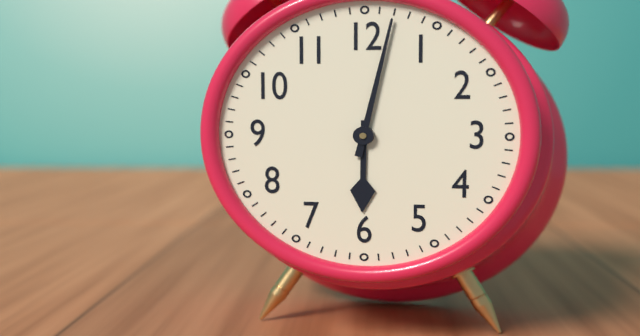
6:02
